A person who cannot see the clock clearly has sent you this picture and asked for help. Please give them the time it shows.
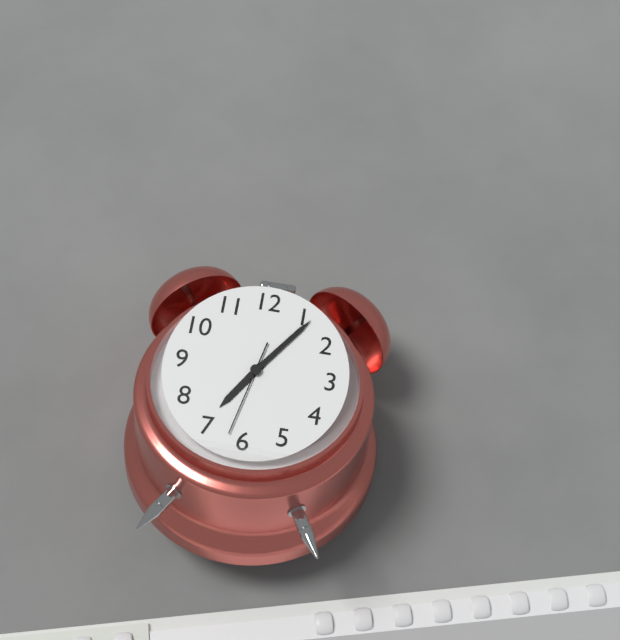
7:06:32
